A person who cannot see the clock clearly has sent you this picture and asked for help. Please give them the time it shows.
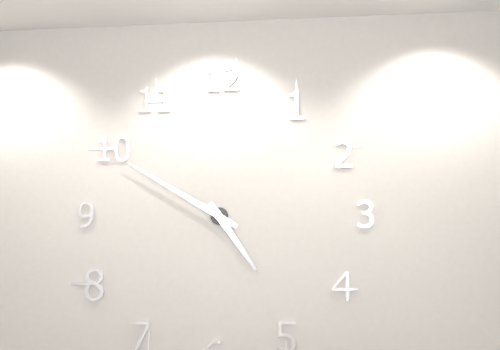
4:50
